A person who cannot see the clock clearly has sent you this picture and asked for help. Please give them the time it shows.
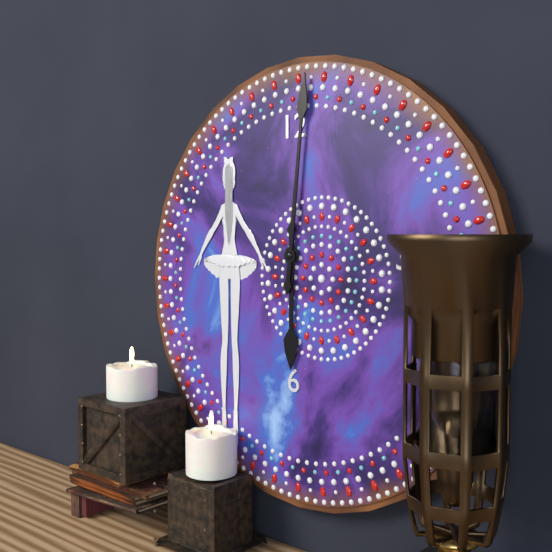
6:01
